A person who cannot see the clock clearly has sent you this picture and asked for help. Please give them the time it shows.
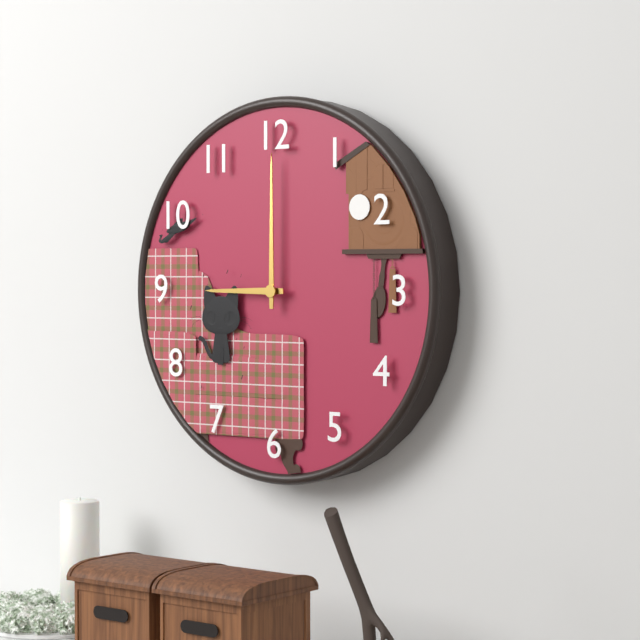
9:00
